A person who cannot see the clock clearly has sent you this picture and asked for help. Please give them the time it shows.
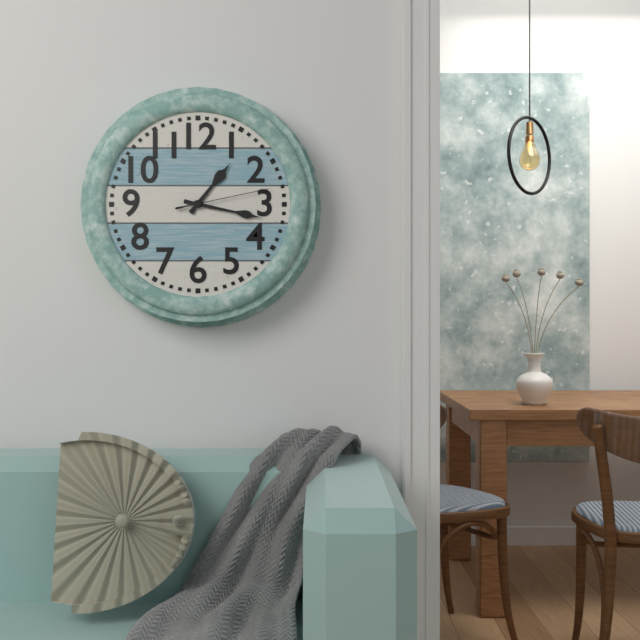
1:17:13
